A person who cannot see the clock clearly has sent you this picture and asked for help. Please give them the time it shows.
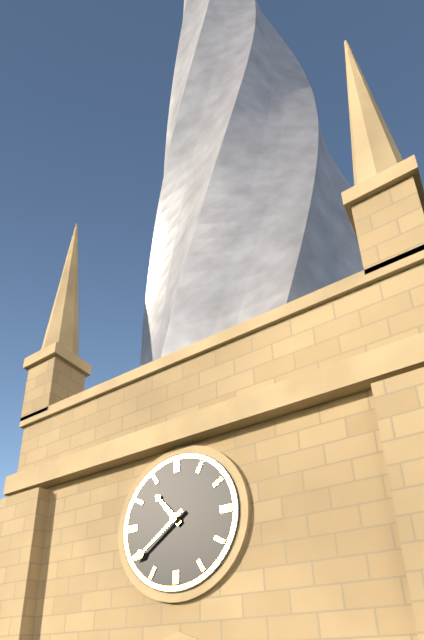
10:39
